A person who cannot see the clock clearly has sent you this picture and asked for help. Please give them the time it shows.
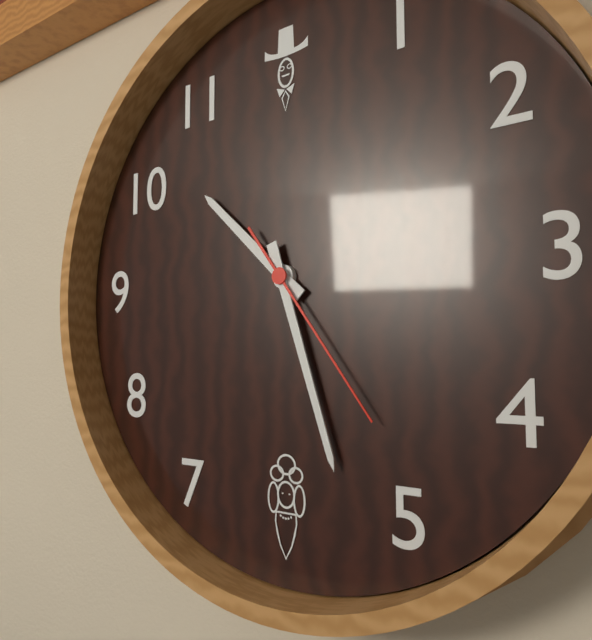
10:27:24
